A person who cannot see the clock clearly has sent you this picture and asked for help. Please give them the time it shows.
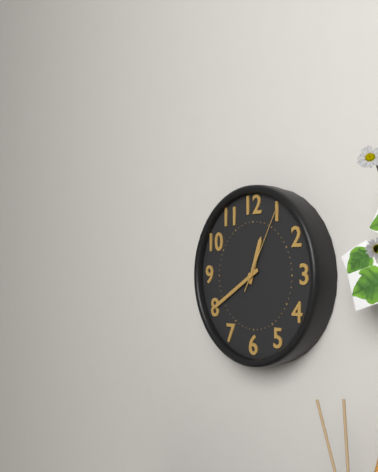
12:40:05
